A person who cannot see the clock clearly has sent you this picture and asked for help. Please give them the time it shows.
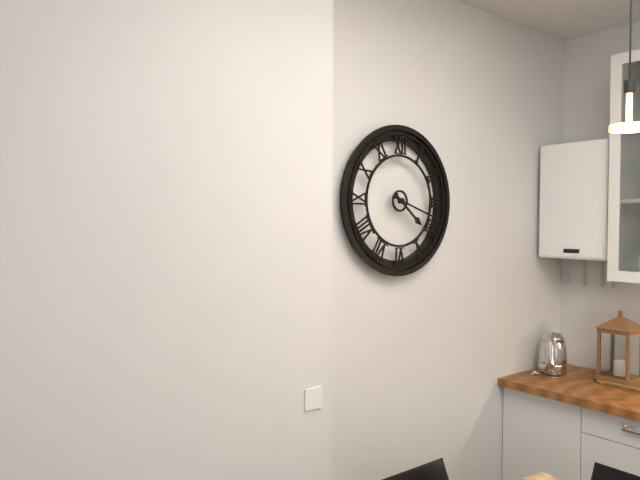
4:18
